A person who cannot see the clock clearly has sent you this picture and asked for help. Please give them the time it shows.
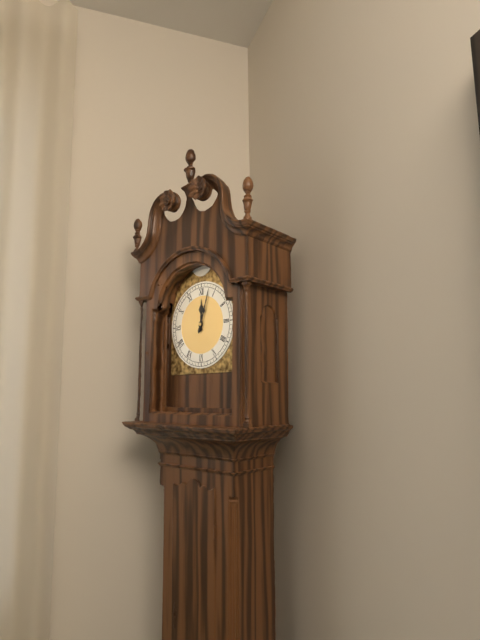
12:03
